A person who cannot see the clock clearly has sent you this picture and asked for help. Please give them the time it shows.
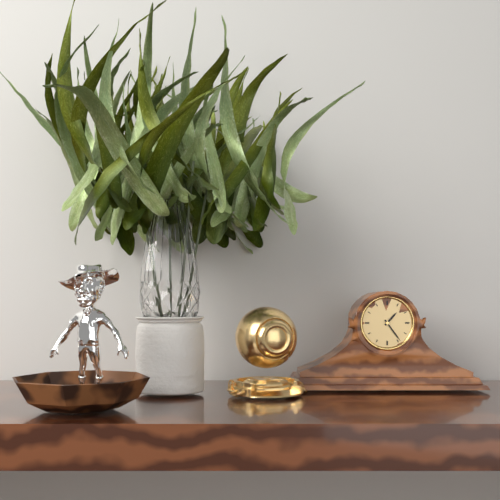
1:24
